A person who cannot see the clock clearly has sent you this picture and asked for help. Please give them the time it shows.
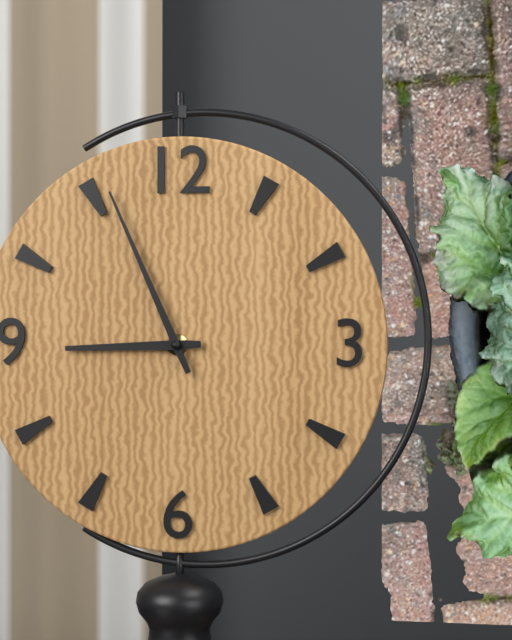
8:56
